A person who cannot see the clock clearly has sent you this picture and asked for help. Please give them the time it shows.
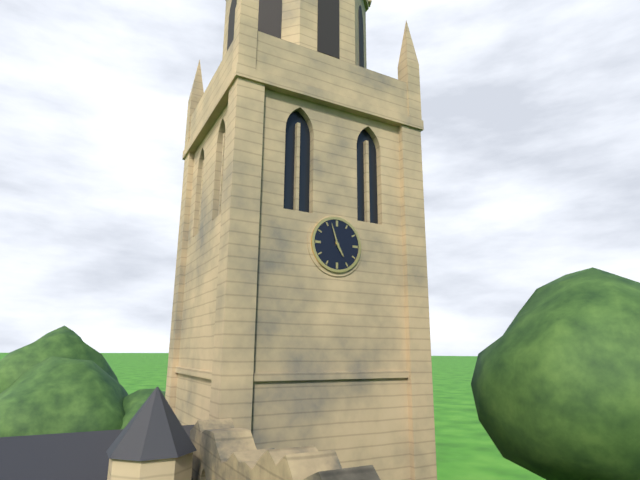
4:57
